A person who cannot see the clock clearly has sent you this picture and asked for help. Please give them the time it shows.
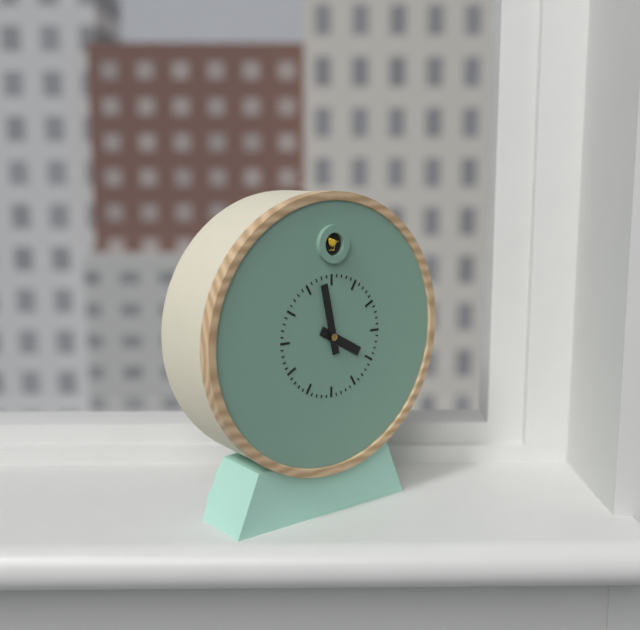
3:58
